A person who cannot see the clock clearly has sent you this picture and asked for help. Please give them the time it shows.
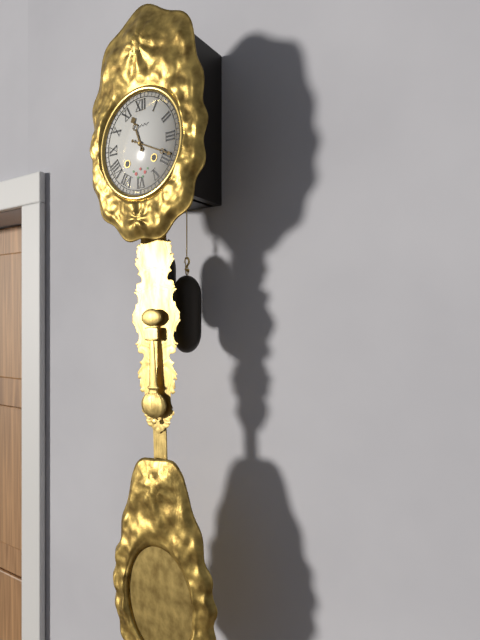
11:19
